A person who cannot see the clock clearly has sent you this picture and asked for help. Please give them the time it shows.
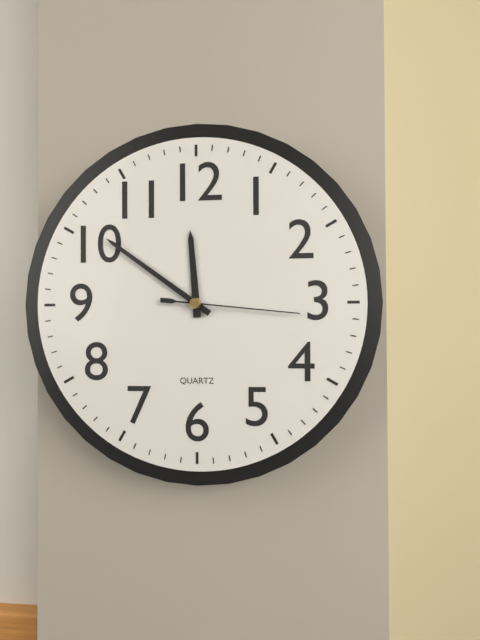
11:51:16
